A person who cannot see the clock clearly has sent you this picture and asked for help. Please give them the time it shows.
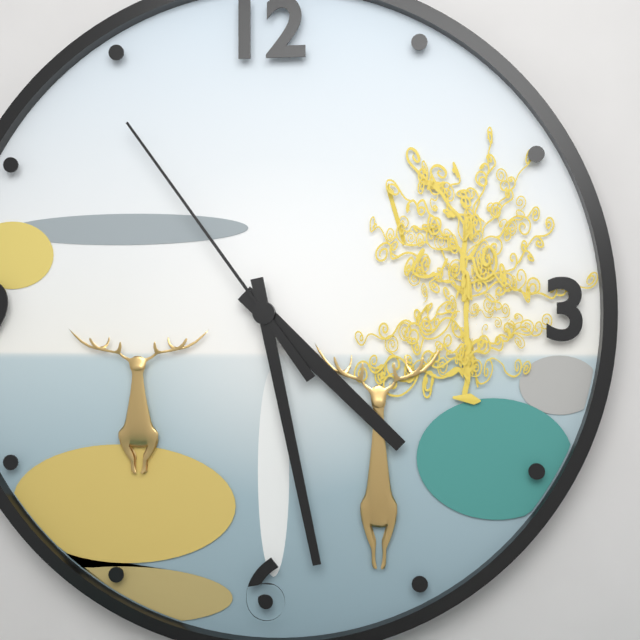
4:28:54
